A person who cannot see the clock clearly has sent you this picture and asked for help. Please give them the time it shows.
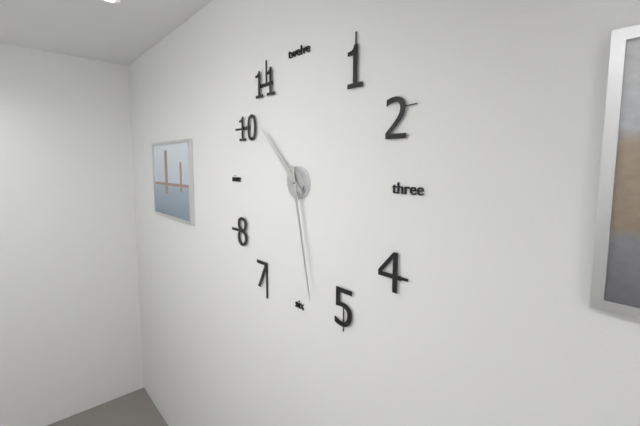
10:28
